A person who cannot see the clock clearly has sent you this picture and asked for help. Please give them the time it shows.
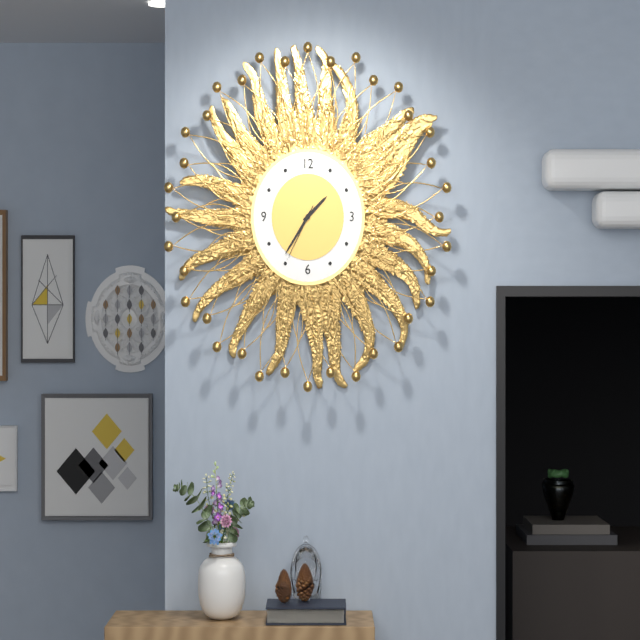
1:36:35
